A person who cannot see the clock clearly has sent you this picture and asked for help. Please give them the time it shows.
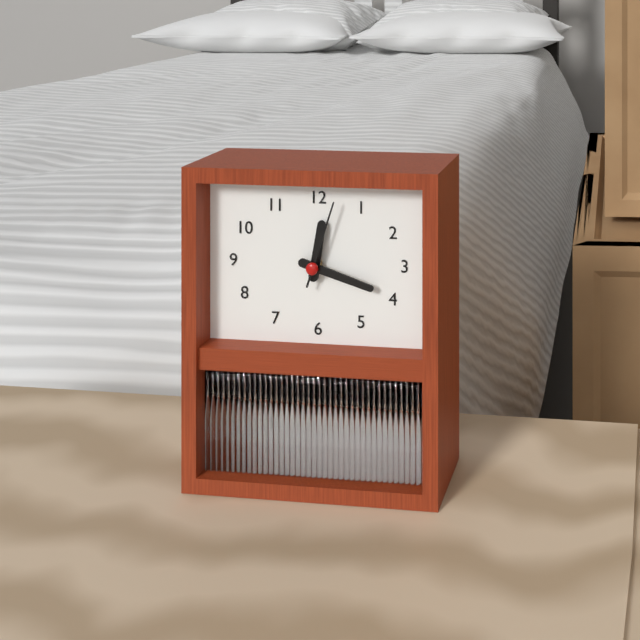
12:18:03
